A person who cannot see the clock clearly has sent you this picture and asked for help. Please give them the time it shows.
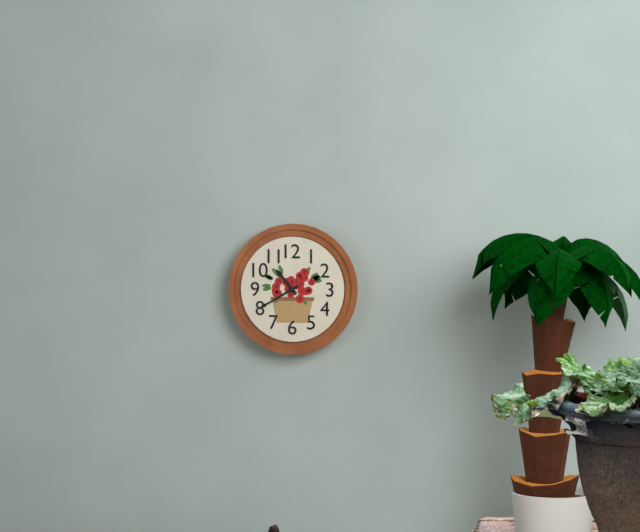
10:40
